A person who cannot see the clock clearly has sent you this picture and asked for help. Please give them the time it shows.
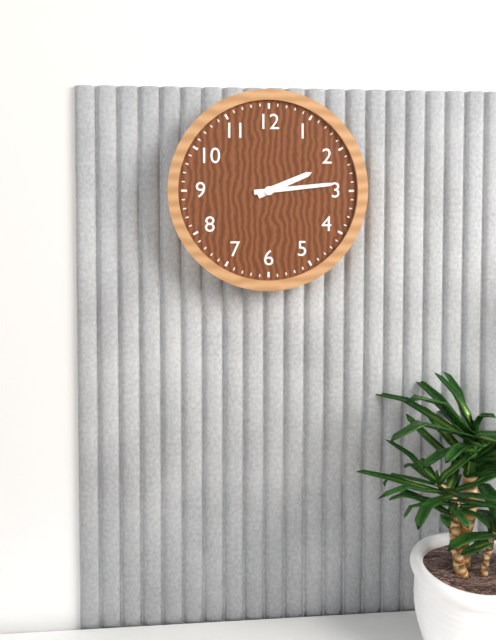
2:14
